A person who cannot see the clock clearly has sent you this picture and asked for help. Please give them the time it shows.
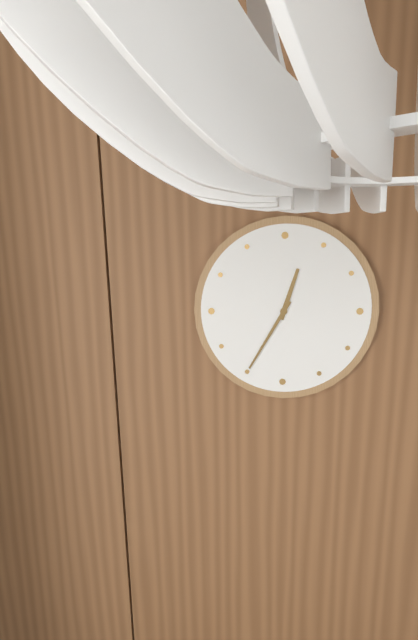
12:35
